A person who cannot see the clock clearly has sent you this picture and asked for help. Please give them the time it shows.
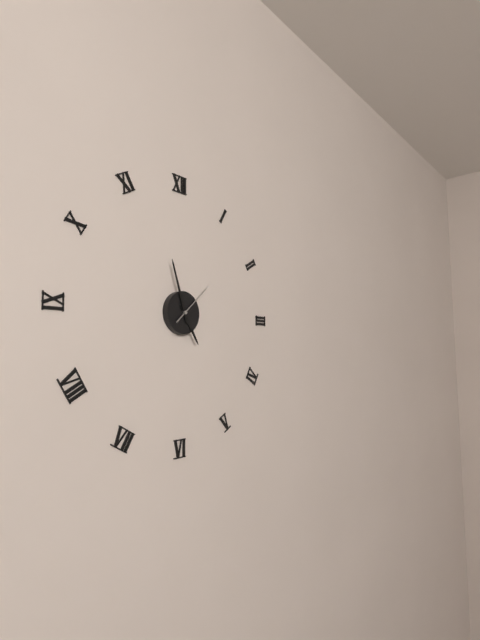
4:57
